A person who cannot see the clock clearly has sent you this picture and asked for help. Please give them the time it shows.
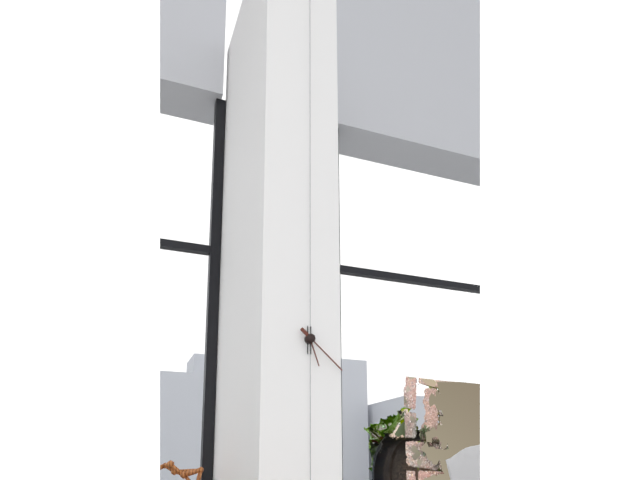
5:22
